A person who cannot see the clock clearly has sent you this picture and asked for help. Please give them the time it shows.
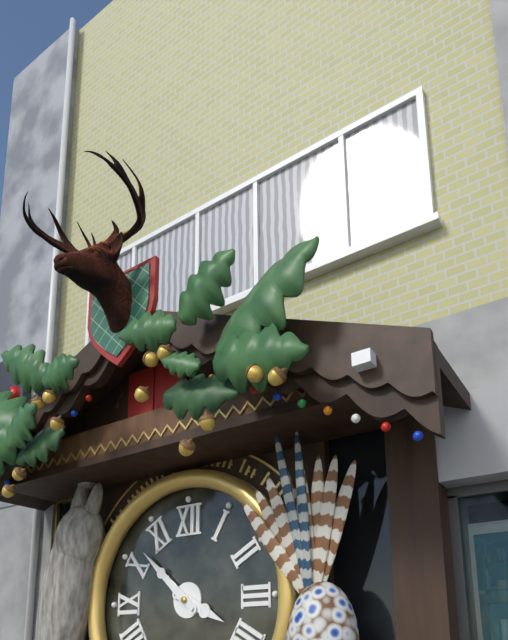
3:52
